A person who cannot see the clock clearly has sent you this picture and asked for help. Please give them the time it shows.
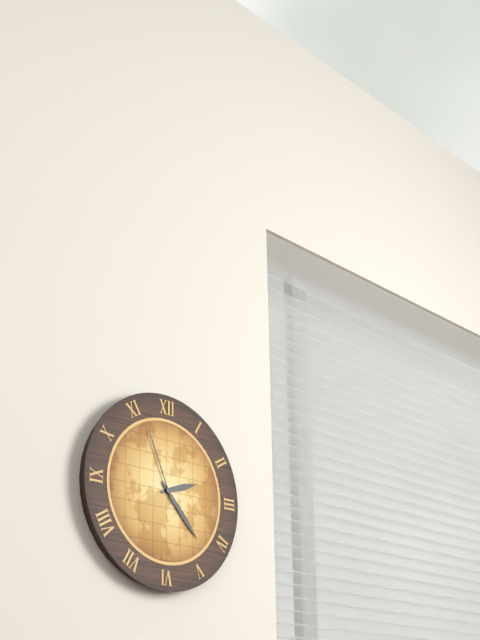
2:23:56
